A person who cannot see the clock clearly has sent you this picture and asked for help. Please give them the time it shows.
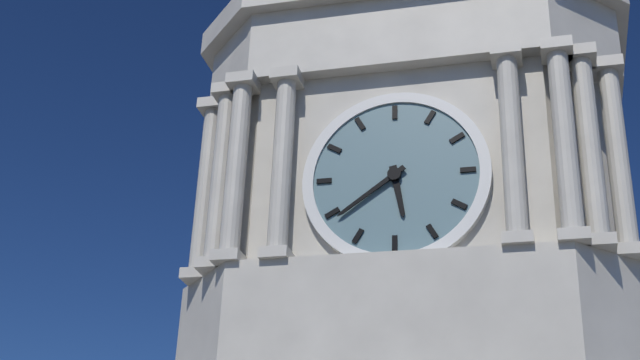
5:39
